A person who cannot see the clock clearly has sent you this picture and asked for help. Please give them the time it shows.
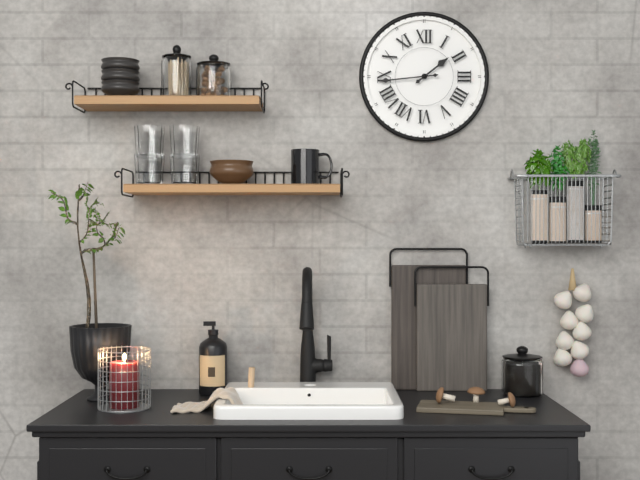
1:44
